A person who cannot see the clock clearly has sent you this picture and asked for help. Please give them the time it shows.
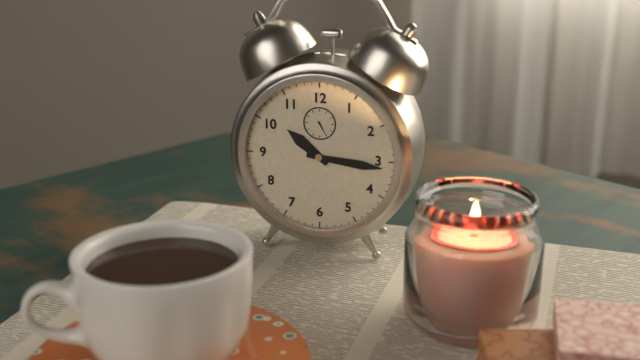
10:16
